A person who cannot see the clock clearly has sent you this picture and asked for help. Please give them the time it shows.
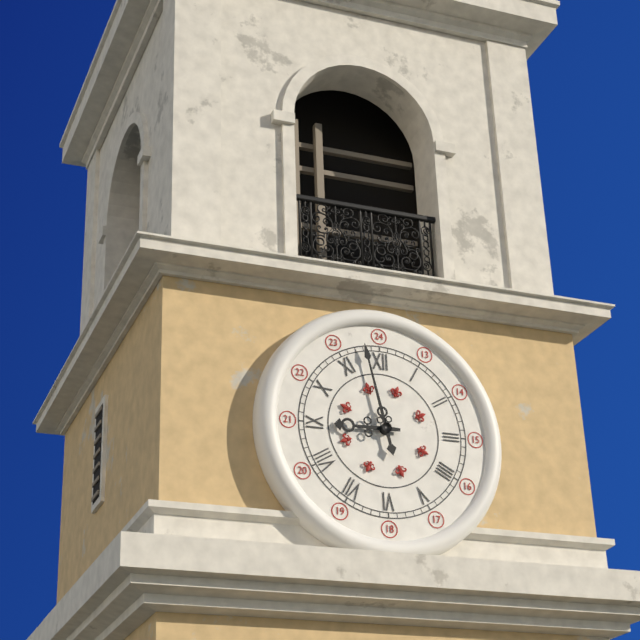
8:58
